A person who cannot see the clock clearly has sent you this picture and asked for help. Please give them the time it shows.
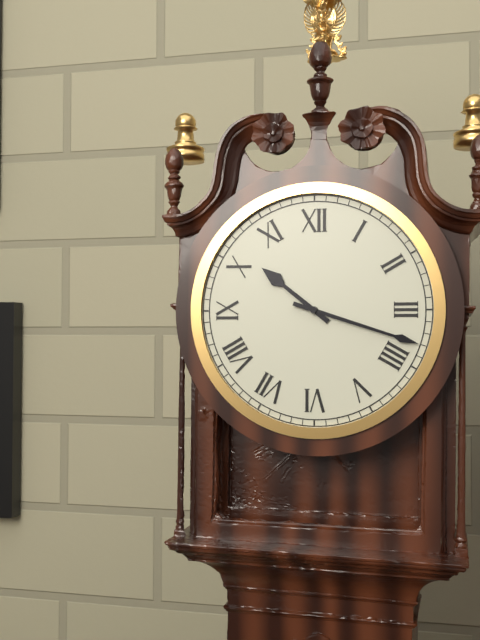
10:18
